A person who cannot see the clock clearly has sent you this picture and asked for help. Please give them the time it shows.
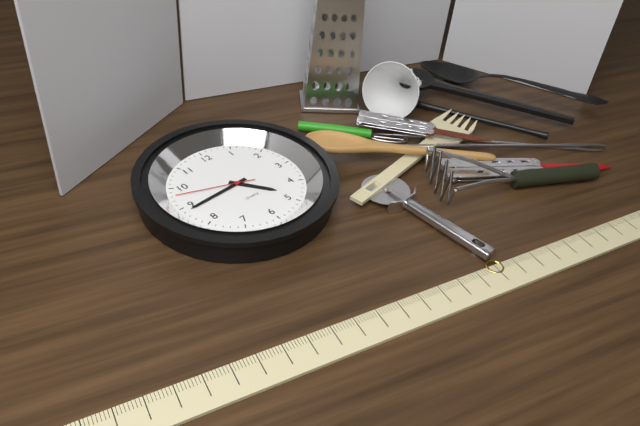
4:44:48
